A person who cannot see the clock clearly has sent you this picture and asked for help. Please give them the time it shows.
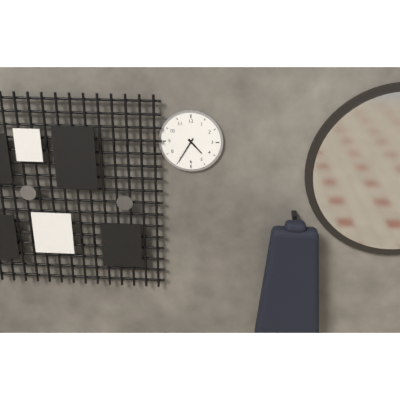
4:35
